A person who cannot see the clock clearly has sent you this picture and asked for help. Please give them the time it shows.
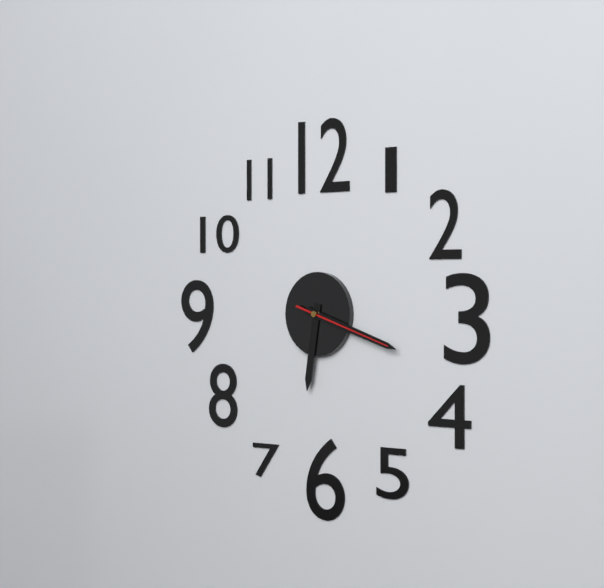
6:18:18
